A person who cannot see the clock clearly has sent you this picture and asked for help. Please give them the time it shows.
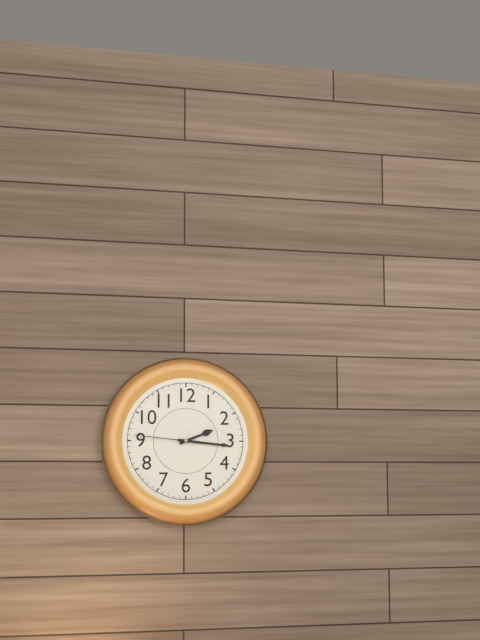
2:16:46
